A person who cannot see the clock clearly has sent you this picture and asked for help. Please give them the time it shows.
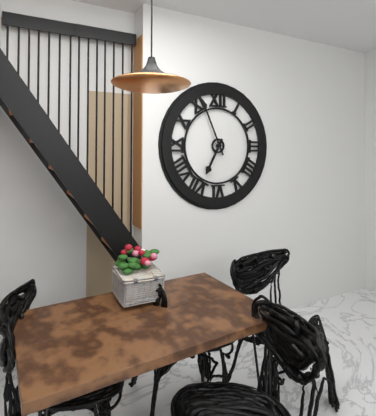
6:56
